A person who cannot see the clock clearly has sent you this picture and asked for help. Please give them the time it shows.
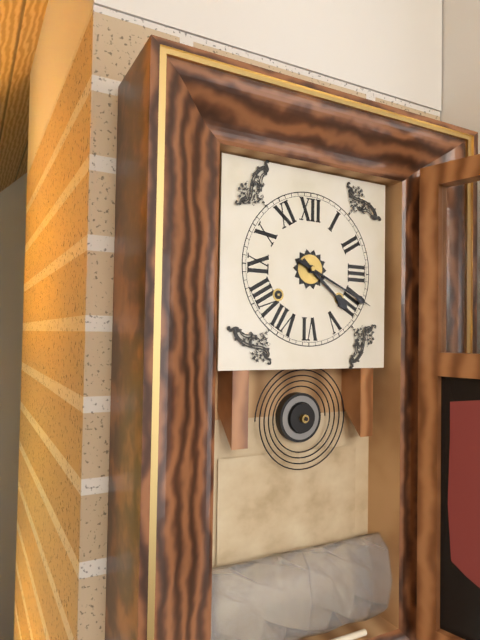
4:19
